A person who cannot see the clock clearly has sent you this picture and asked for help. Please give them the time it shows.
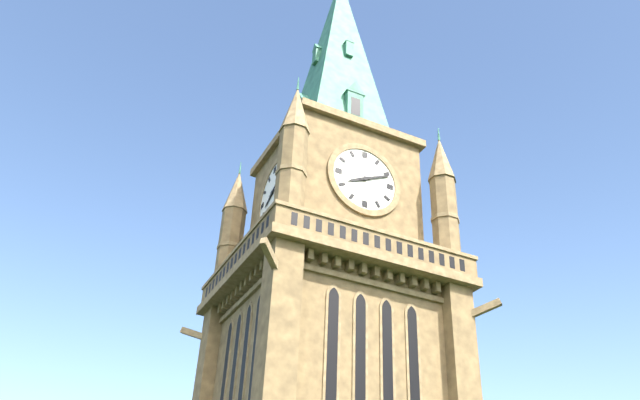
8:11
